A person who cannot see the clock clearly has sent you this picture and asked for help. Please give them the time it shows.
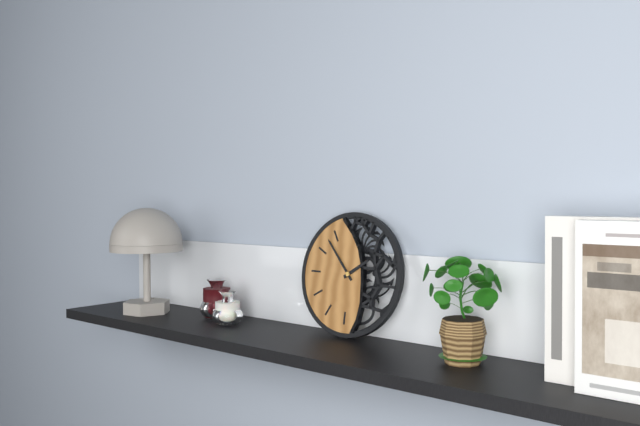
1:53
